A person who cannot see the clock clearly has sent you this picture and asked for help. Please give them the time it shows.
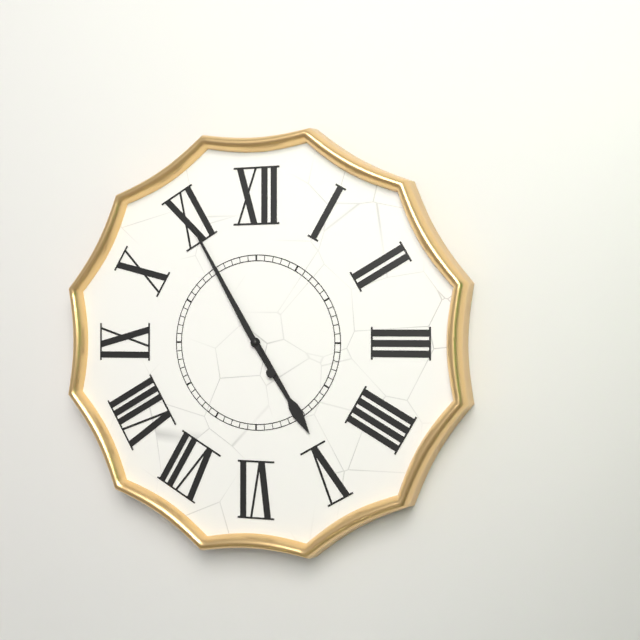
4:55
